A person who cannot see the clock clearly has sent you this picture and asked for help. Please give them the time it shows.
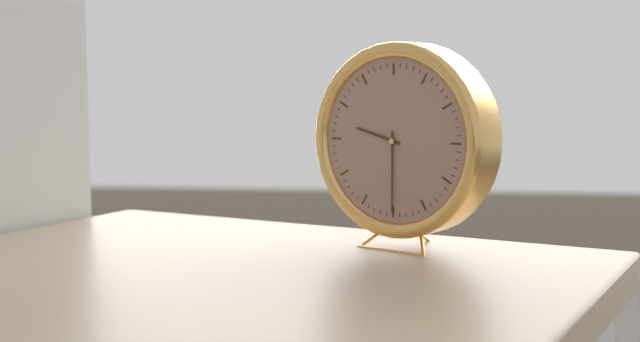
9:30
